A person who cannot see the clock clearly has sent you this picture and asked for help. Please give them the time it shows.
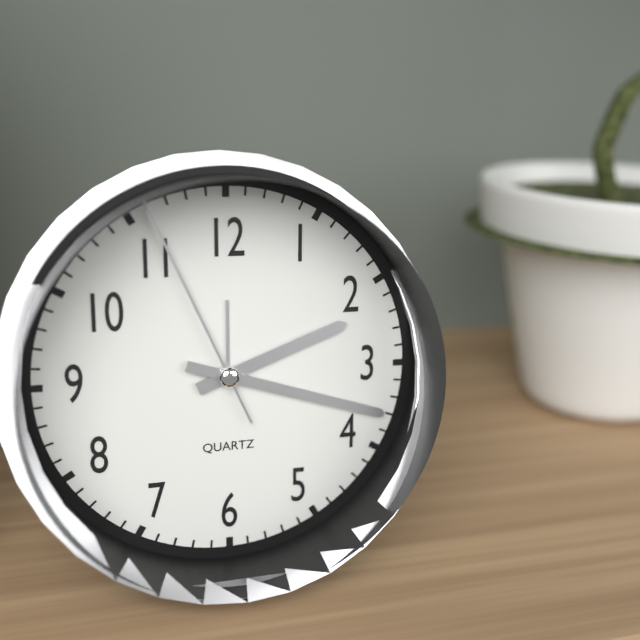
2:18:56
